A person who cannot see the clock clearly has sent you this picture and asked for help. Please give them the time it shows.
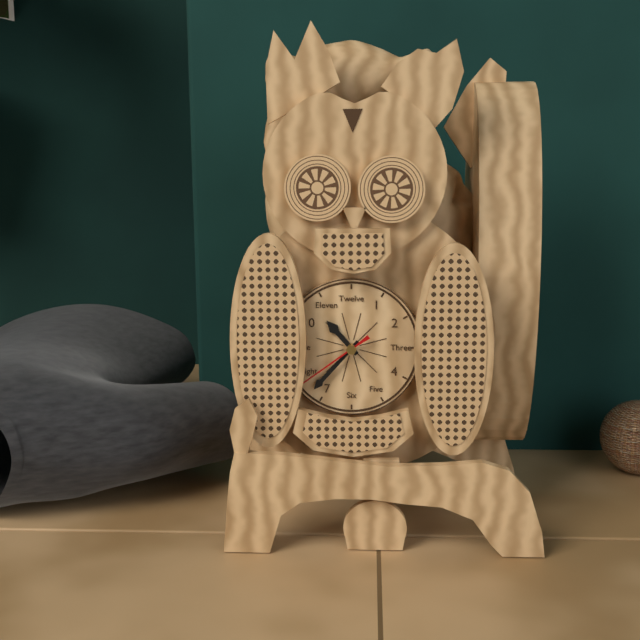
10:37:39
